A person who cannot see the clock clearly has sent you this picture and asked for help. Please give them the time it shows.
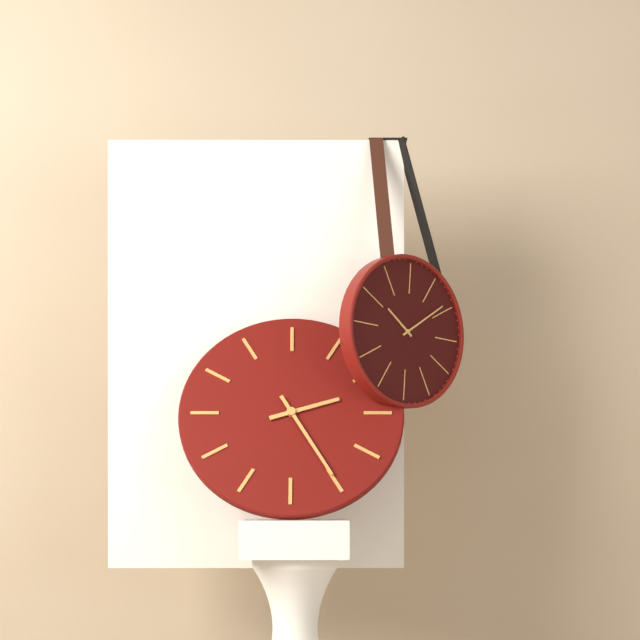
2:25
